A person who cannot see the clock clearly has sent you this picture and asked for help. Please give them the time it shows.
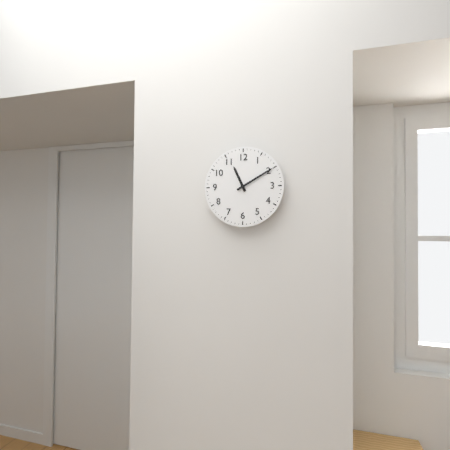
11:10
